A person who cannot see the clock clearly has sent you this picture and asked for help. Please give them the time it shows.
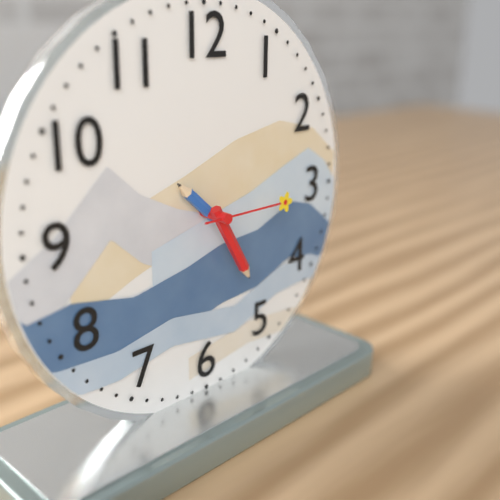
10:25:15
